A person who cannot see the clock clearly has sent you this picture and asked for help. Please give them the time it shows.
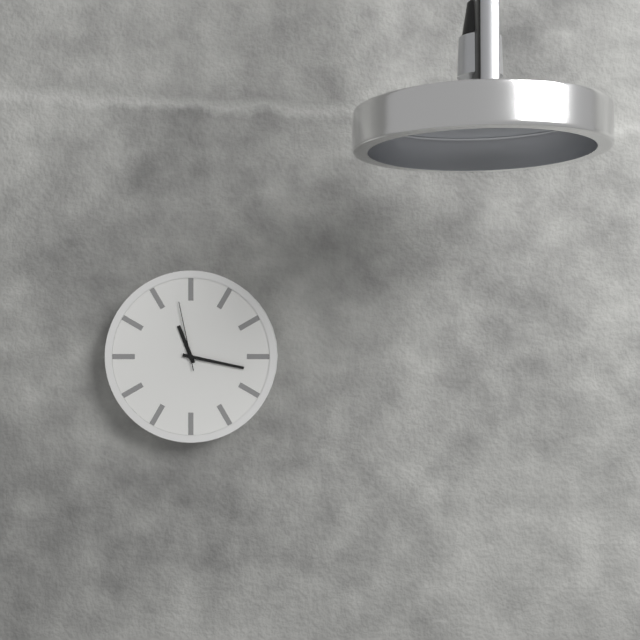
11:17:58
